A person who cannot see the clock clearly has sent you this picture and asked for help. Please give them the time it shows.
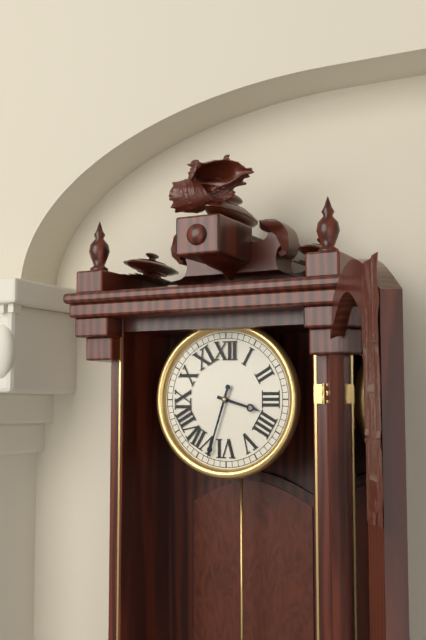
3:33
